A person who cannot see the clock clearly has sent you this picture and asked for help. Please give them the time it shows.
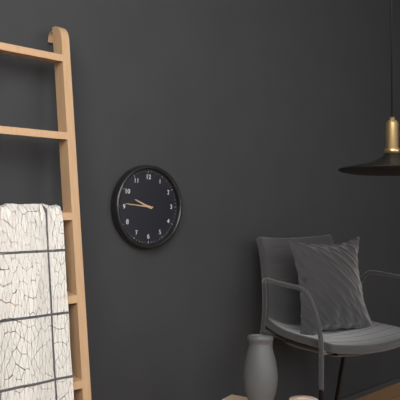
9:46
